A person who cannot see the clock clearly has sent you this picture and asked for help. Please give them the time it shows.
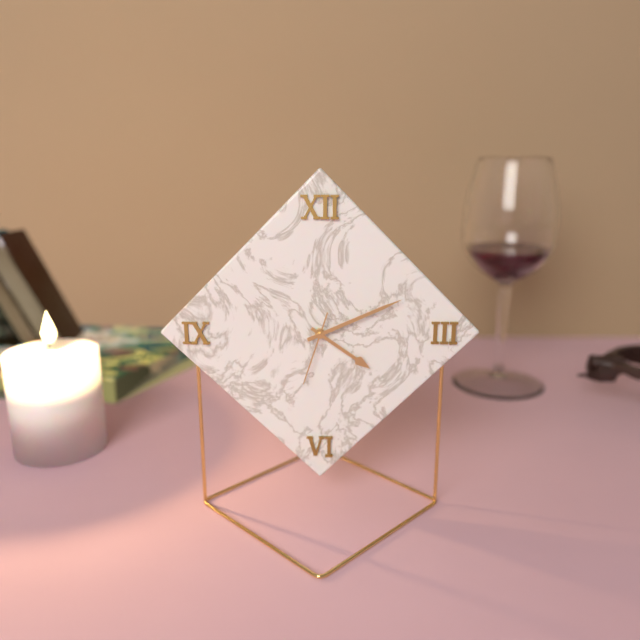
4:11:33
